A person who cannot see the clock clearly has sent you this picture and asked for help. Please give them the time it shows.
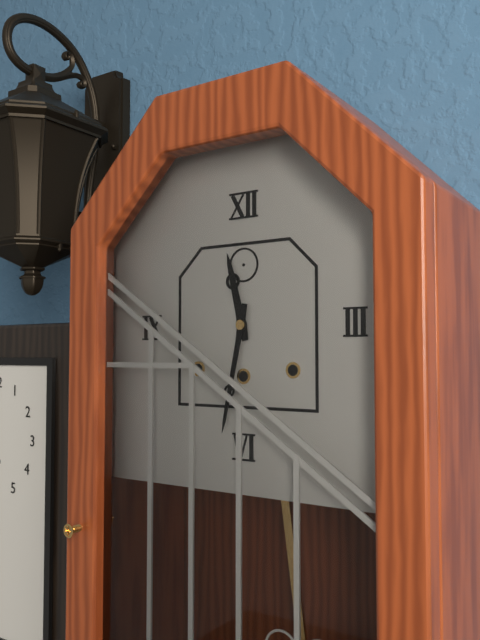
11:32
